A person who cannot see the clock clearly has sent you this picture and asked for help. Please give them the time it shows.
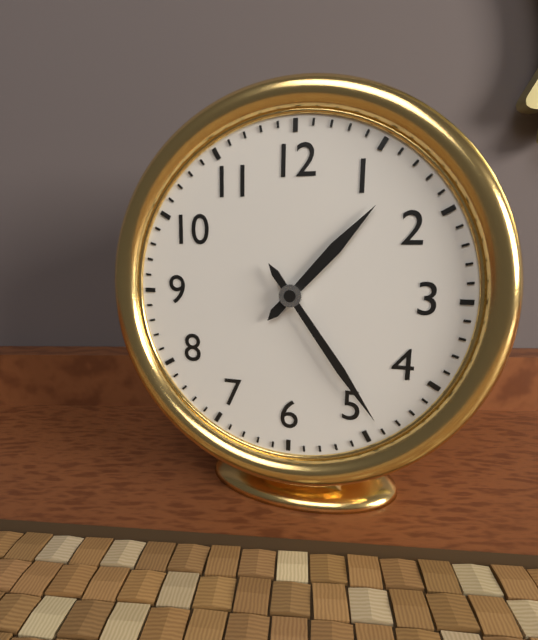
1:24
